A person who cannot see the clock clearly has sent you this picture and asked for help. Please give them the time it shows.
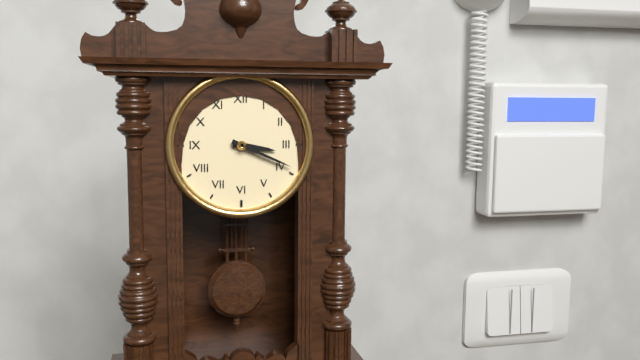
3:19
